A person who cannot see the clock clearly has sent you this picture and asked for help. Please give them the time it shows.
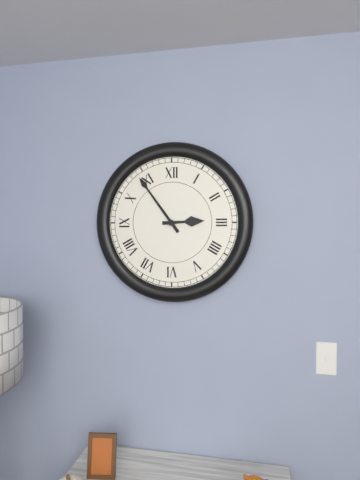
2:54
